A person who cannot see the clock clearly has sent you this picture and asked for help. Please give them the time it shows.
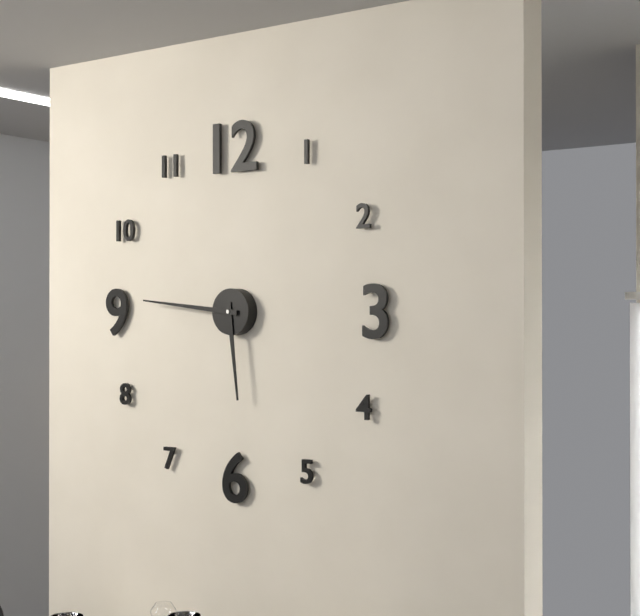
5:46
